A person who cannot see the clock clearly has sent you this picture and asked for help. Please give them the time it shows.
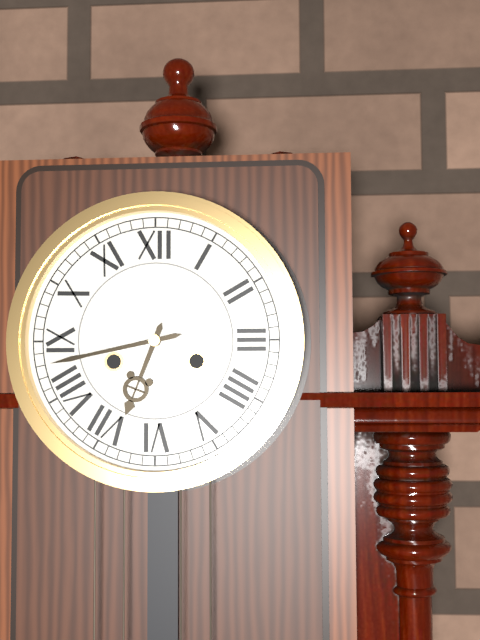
6:43
